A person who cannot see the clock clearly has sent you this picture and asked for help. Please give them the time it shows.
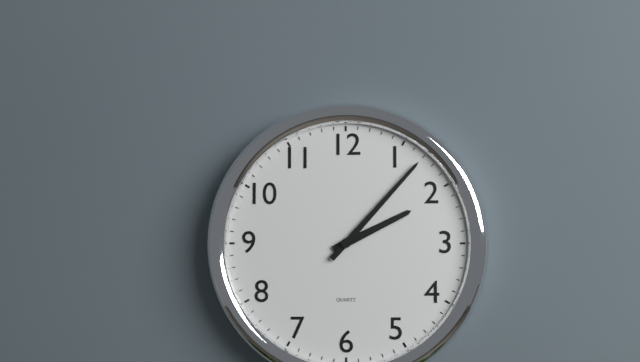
2:07
